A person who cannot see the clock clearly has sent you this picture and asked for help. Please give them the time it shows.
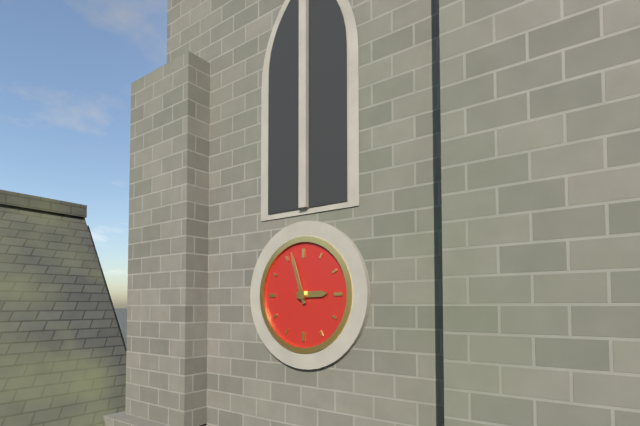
2:57
